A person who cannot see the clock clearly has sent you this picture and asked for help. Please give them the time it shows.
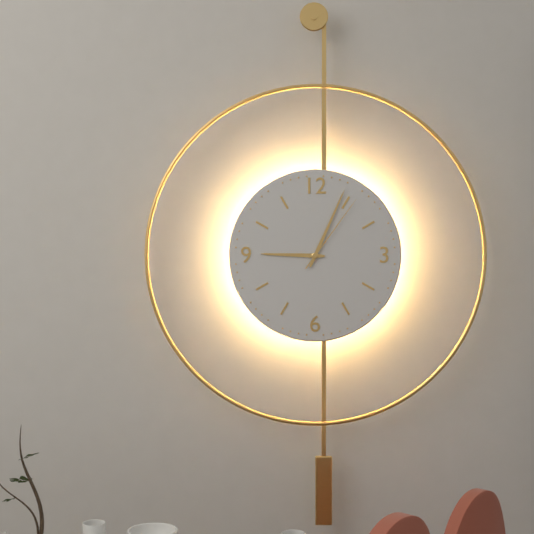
9:04:06
